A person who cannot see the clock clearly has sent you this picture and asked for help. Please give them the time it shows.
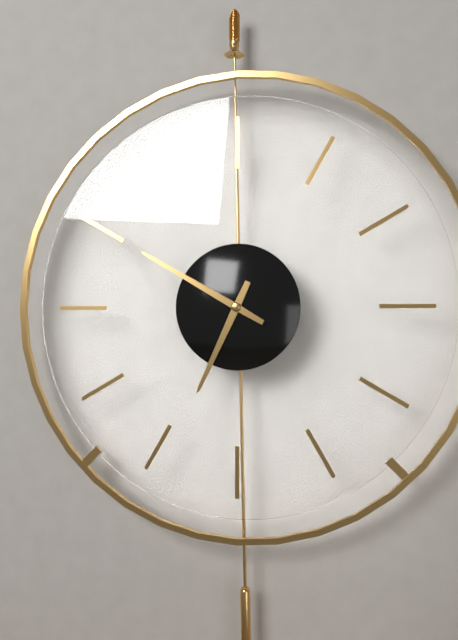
6:50
